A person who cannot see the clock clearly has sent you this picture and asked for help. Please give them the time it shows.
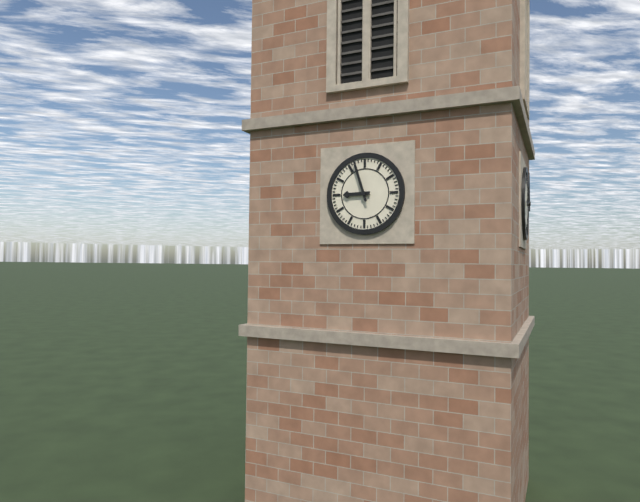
8:57
